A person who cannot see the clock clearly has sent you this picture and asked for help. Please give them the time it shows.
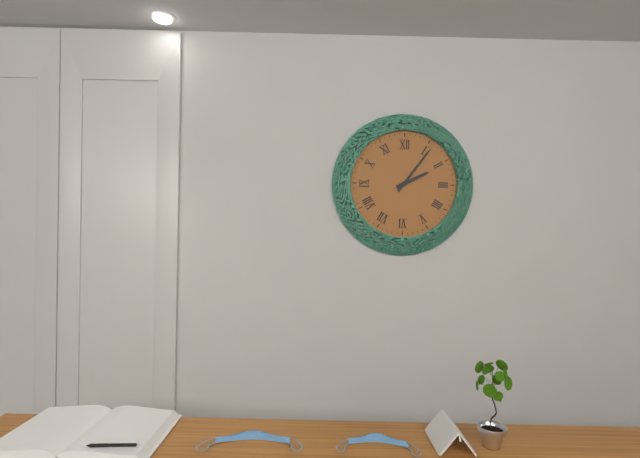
2:06
